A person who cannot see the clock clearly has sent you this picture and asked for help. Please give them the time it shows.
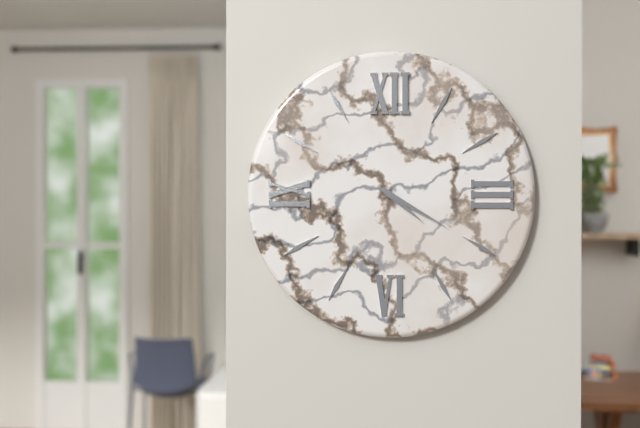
4:20
